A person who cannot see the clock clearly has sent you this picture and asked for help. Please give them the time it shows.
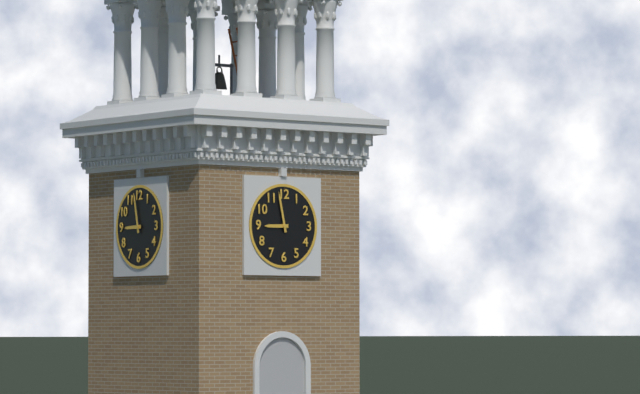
8:58
